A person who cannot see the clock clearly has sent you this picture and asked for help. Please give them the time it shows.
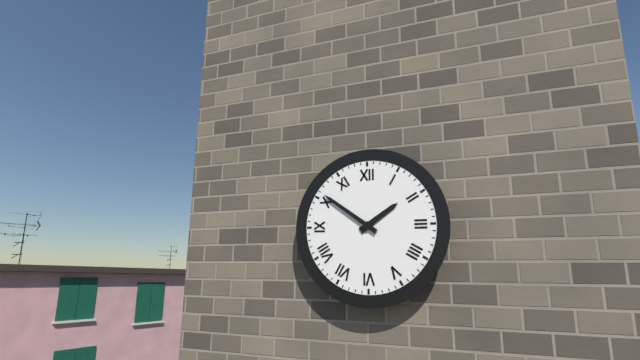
1:51
